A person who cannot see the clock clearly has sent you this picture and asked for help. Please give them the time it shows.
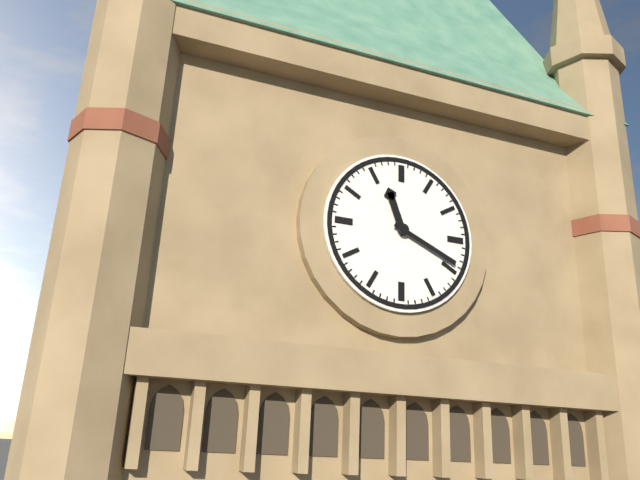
11:19
